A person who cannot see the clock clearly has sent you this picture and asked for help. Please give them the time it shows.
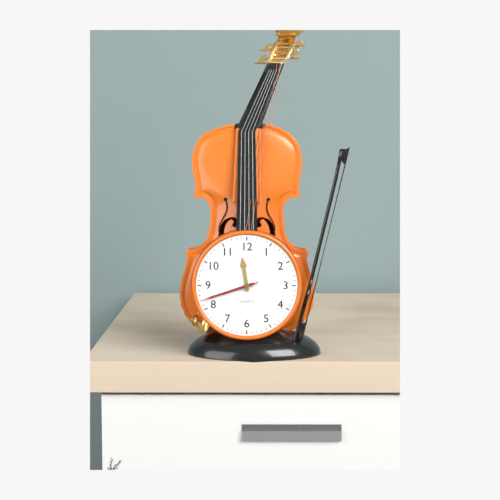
11:42:42
